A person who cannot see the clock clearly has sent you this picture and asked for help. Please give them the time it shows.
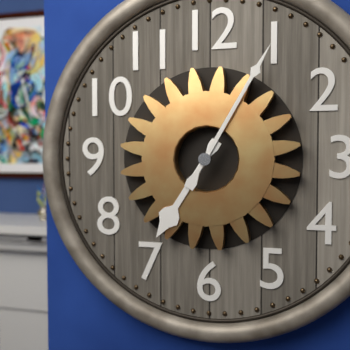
7:05
